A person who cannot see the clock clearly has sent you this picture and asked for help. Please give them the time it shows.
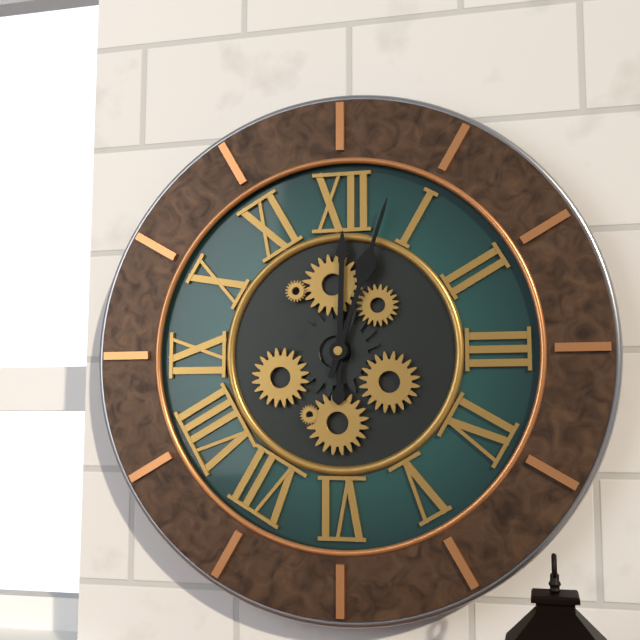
12:03
